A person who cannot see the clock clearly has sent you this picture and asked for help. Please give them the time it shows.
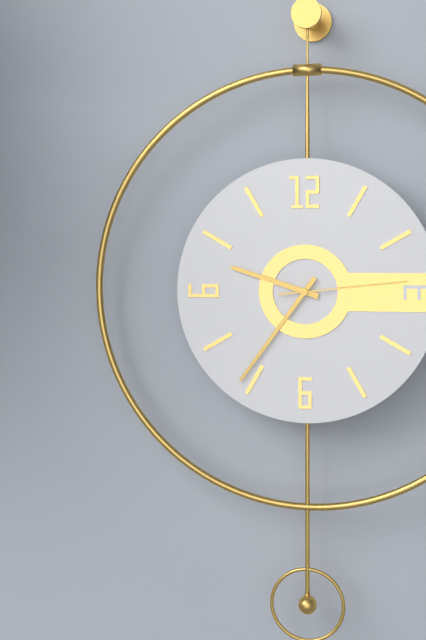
9:36:14
